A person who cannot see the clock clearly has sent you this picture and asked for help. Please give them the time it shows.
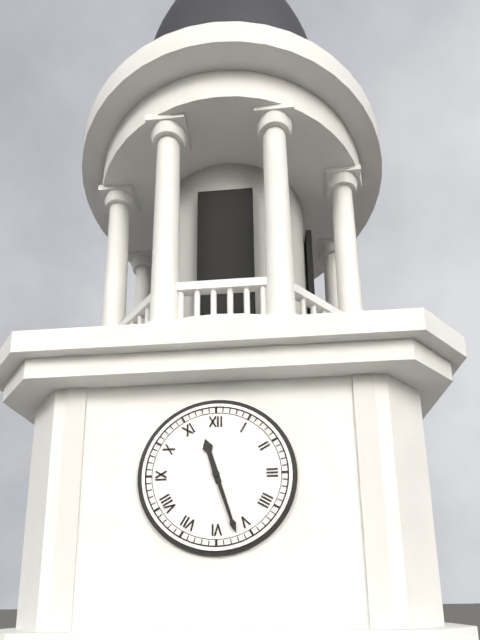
11:27
